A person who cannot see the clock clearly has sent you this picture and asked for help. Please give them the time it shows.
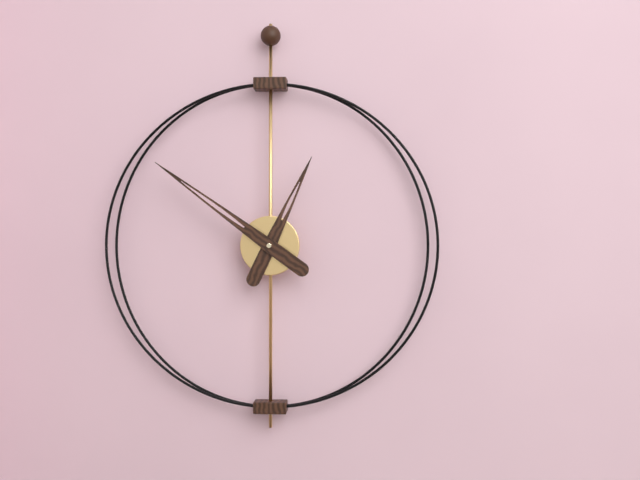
12:51
